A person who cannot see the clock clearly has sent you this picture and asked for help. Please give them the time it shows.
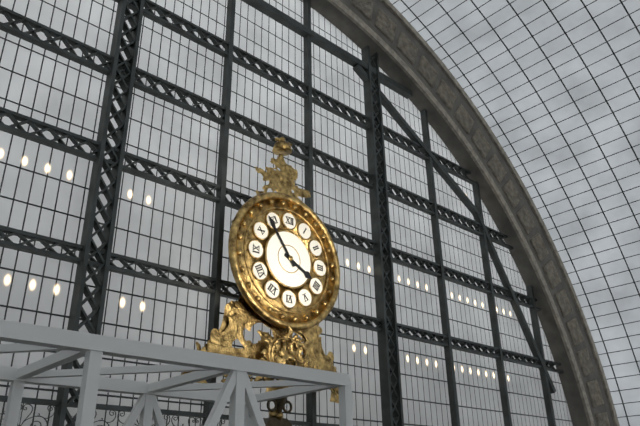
3:54
